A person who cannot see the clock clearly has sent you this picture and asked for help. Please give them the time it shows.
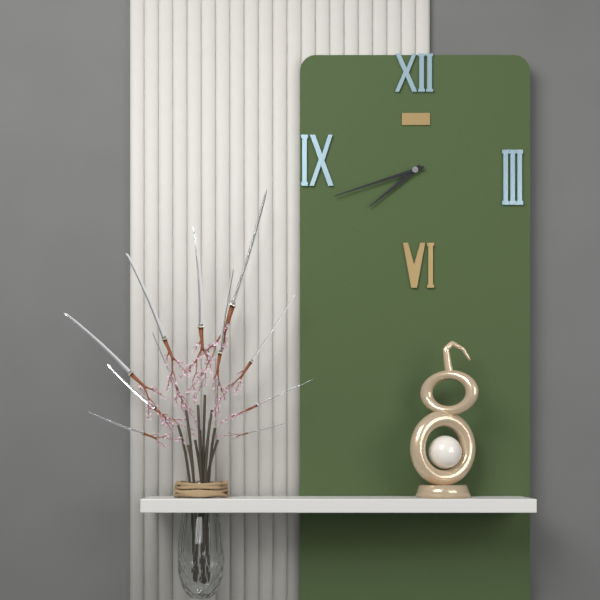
7:42
